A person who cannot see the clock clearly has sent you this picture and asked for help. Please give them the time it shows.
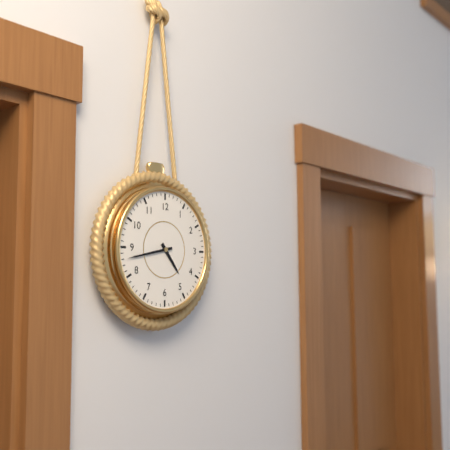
4:43
